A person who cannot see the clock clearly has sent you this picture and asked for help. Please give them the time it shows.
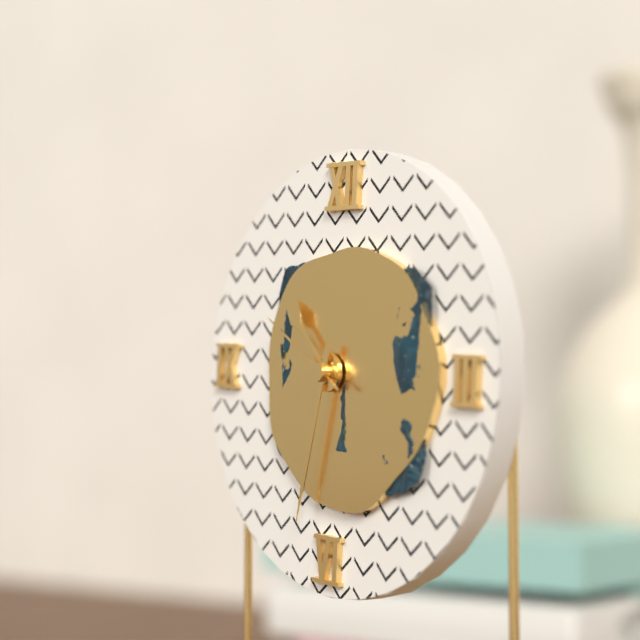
10:32:50
